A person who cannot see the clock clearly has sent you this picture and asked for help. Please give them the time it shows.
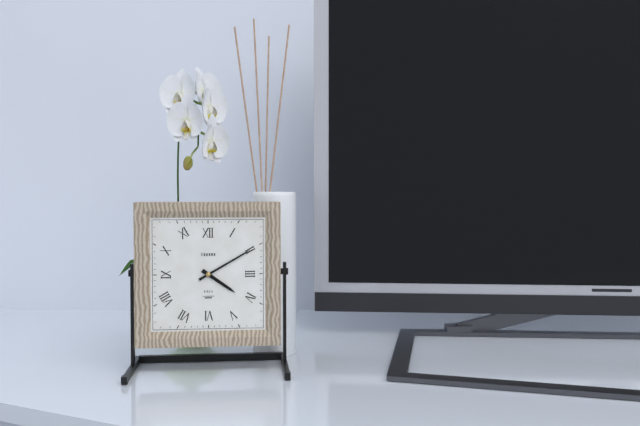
4:10
